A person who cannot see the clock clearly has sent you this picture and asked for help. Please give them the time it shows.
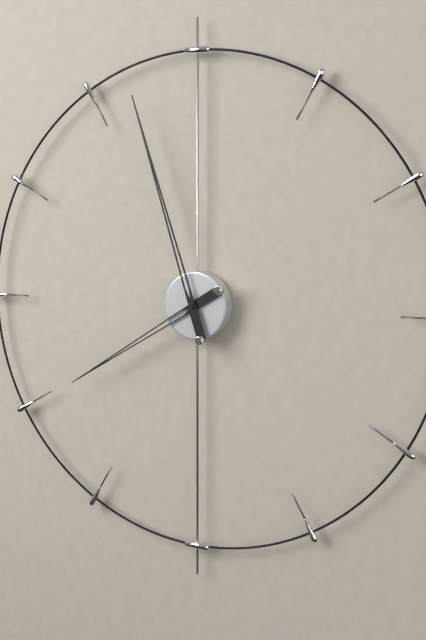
7:57
